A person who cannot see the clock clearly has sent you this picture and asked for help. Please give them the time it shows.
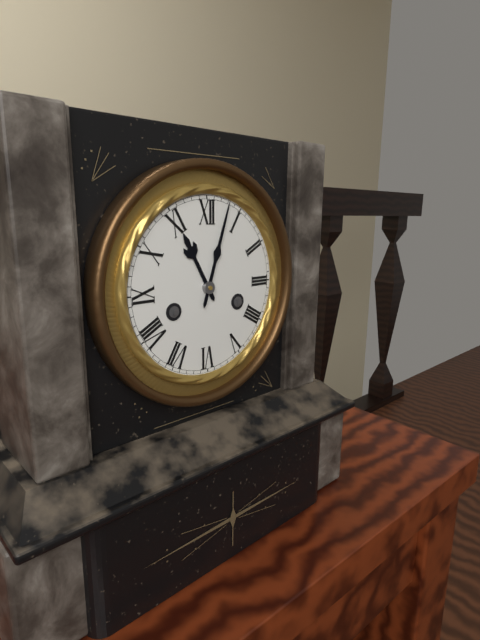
11:03
